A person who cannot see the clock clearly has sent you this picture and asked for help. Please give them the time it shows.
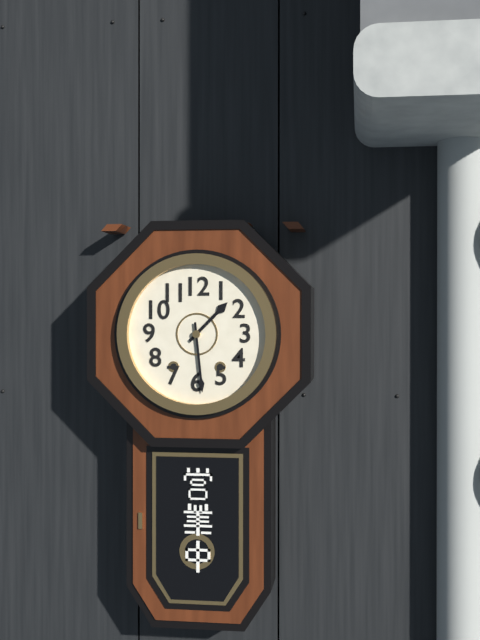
1:29
